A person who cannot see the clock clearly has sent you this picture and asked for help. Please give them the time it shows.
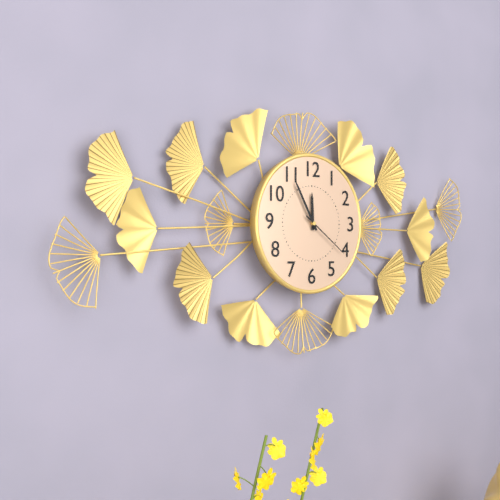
11:55:21
